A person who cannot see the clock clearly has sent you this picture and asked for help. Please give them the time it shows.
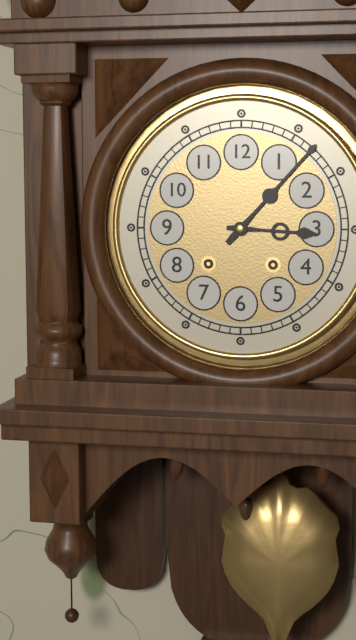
3:07
